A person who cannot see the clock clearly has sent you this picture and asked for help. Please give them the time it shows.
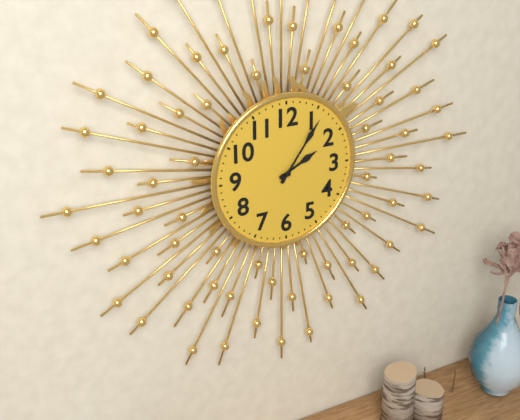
2:06
